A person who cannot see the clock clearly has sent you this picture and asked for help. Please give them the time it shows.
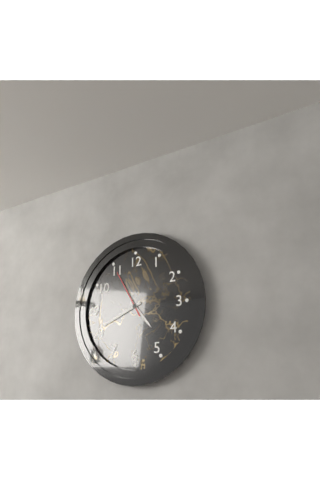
4:41
